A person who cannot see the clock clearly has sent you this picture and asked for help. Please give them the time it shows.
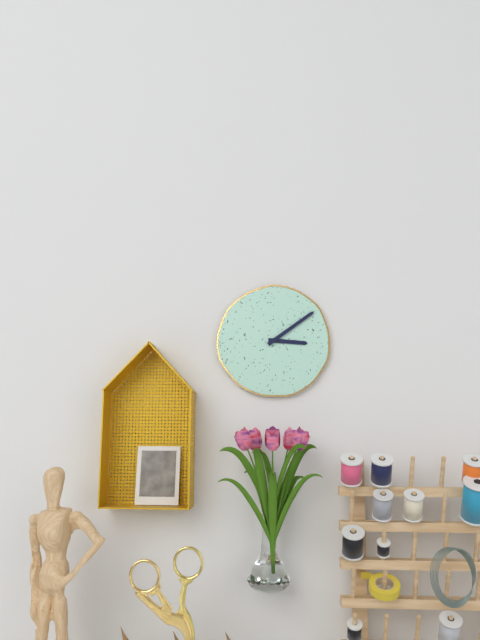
3:09
